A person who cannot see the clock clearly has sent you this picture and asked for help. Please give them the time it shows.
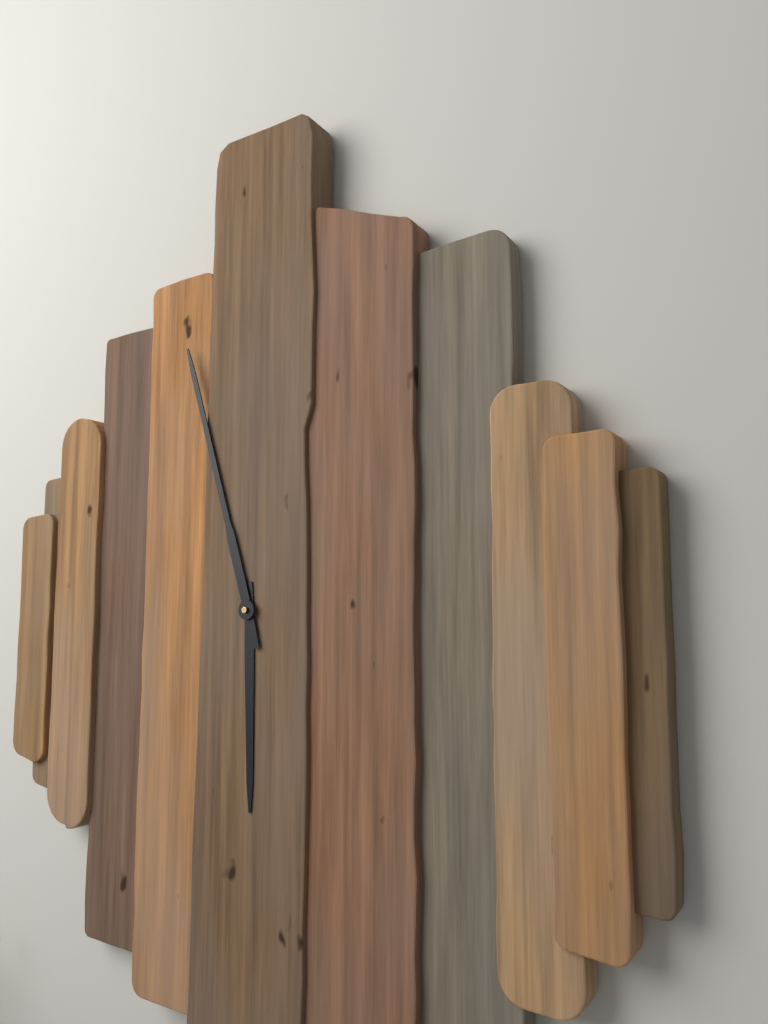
5:57
